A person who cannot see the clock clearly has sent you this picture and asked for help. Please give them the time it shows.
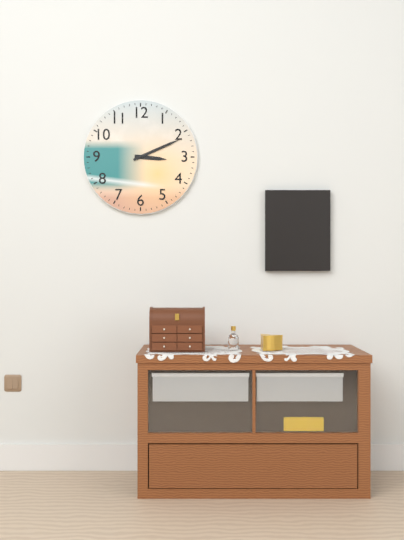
3:11
